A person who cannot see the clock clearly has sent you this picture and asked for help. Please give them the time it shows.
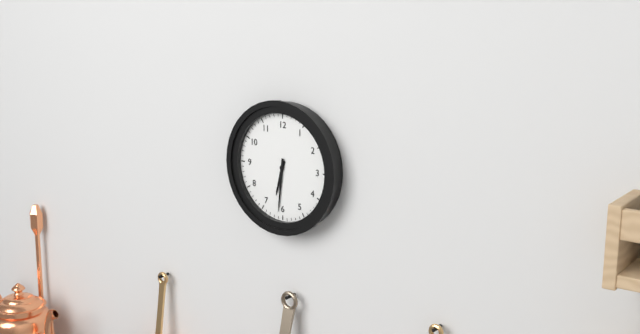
6:31
